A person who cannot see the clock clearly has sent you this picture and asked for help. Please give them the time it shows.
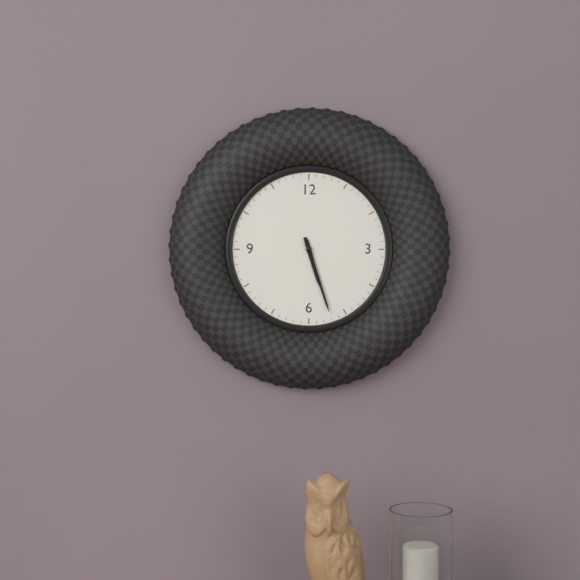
5:27
